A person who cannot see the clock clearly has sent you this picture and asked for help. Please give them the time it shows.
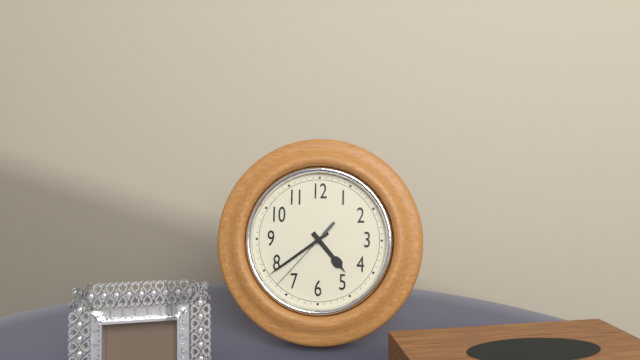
4:39:37
